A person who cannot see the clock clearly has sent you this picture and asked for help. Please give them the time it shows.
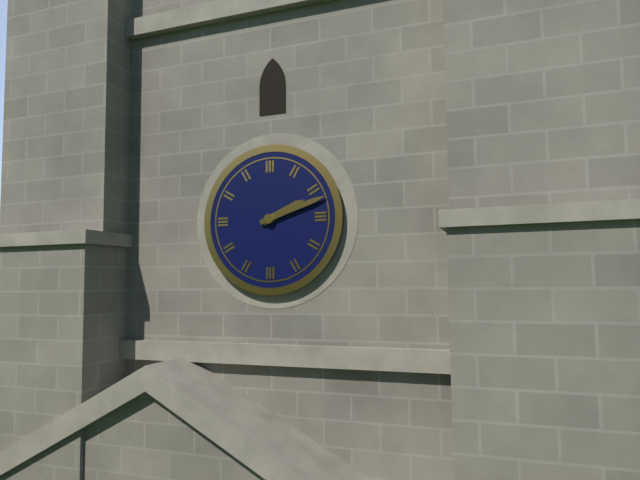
2:12
